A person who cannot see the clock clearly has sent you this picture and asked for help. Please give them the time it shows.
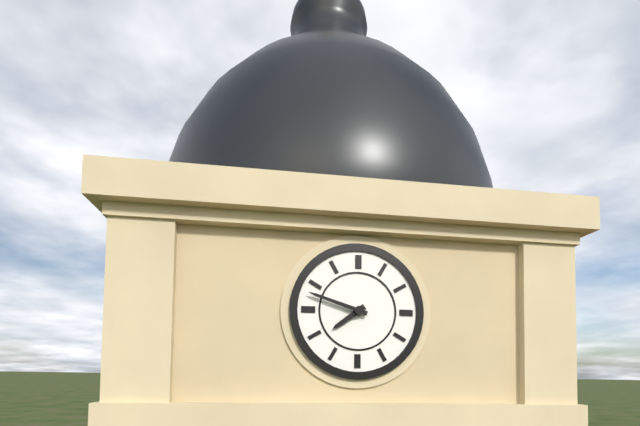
7:48
